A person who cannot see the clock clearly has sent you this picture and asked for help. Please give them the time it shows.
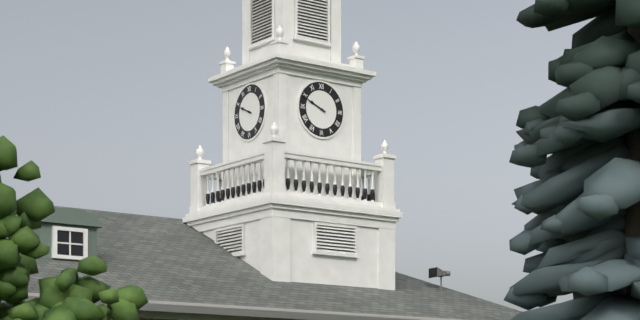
9:49
